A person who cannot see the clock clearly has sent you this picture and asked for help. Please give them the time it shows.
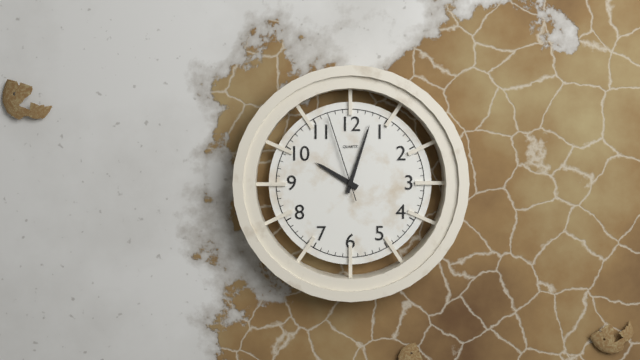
10:03:57
